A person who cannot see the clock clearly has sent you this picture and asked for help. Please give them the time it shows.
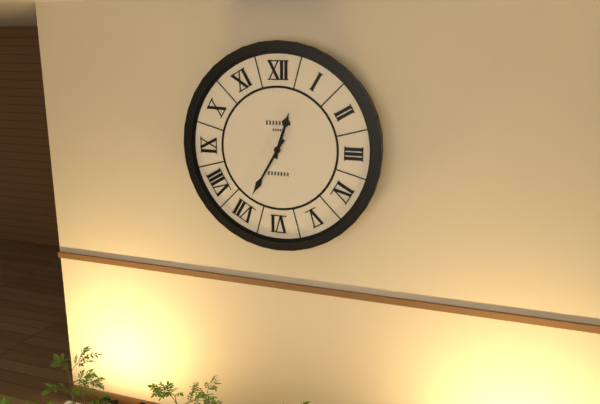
12:35
